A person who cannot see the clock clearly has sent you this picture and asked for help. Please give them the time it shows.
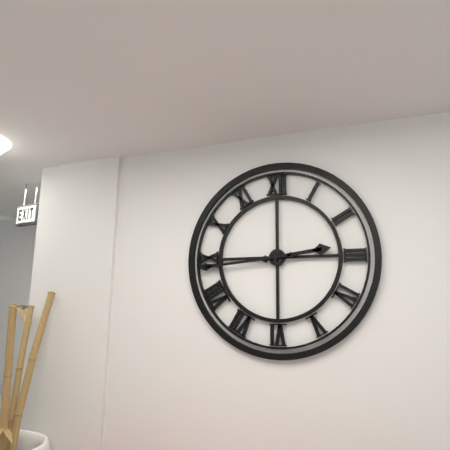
2:44
